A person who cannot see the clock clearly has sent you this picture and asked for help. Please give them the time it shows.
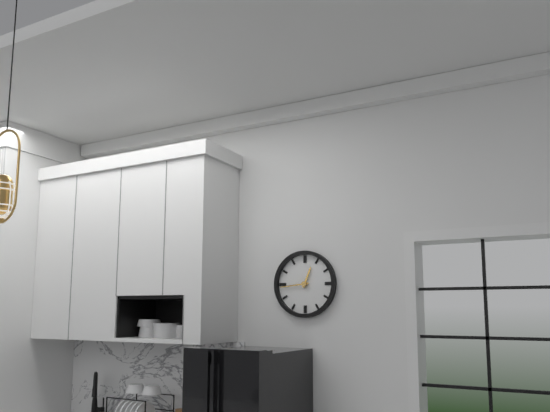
12:44
